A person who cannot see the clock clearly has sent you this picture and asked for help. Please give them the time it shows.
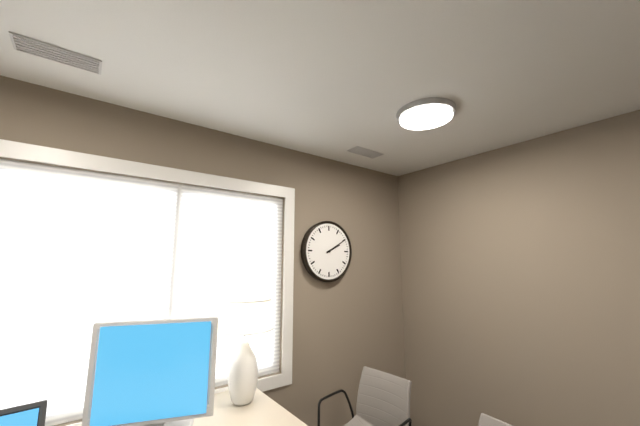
2:10
